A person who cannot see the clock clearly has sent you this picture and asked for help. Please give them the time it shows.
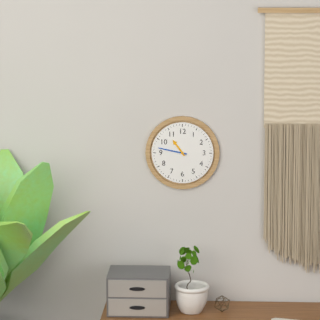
10:47
